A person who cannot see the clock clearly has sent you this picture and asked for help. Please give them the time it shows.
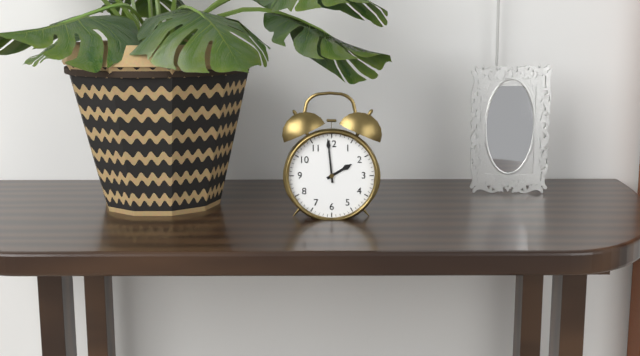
1:59
